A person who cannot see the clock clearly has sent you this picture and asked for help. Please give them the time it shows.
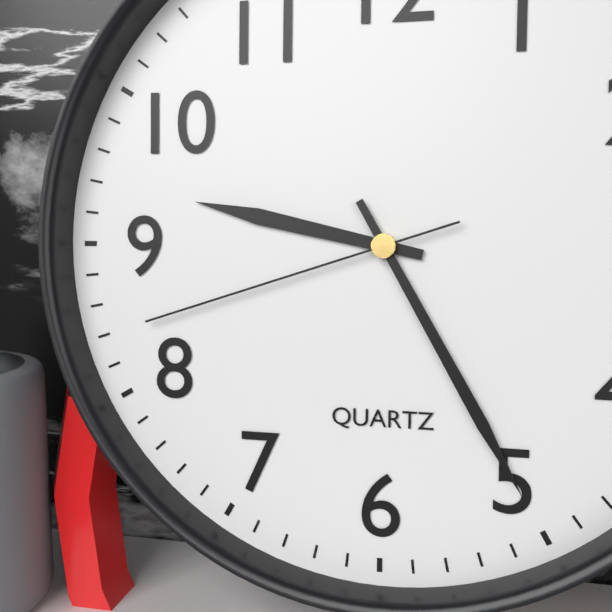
9:25:42
